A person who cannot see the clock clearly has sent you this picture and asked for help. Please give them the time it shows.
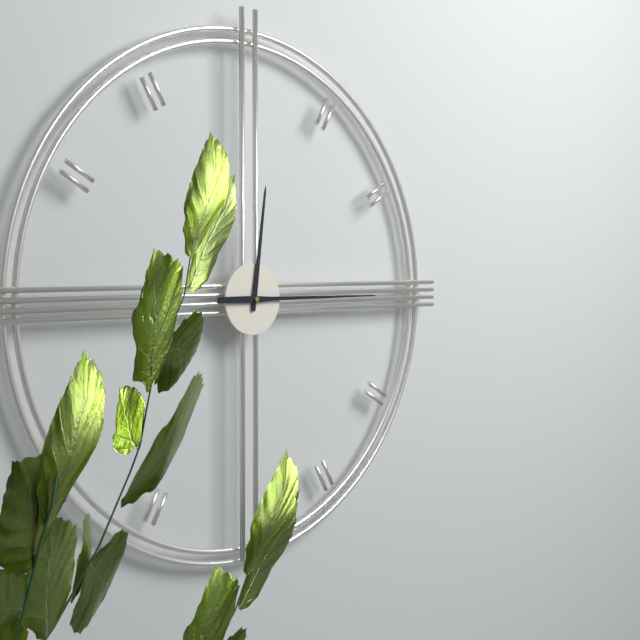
12:15
